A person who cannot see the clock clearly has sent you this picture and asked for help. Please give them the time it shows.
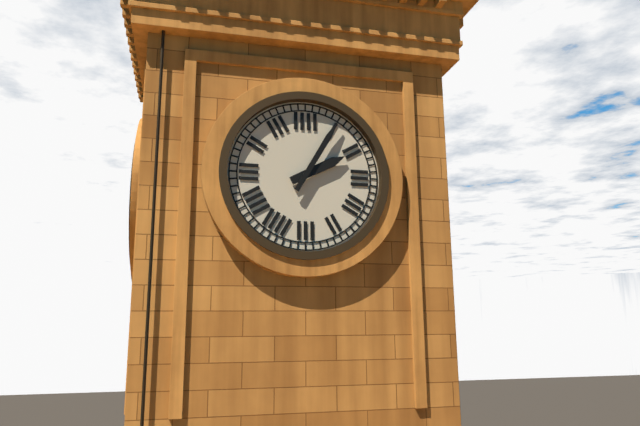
2:05
